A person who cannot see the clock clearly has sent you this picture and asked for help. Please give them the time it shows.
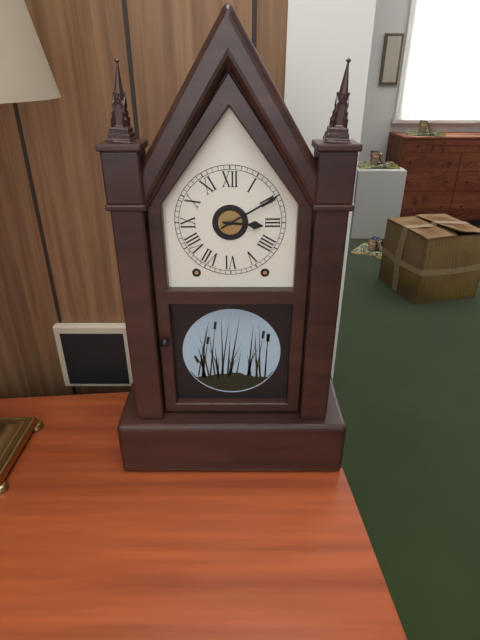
3:10
